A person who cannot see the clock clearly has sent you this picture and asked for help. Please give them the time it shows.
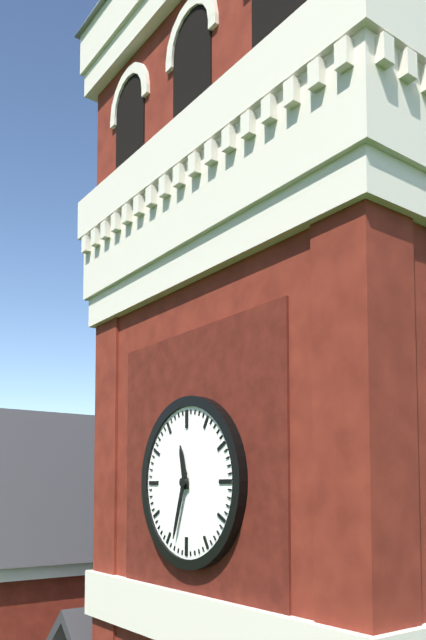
11:33
